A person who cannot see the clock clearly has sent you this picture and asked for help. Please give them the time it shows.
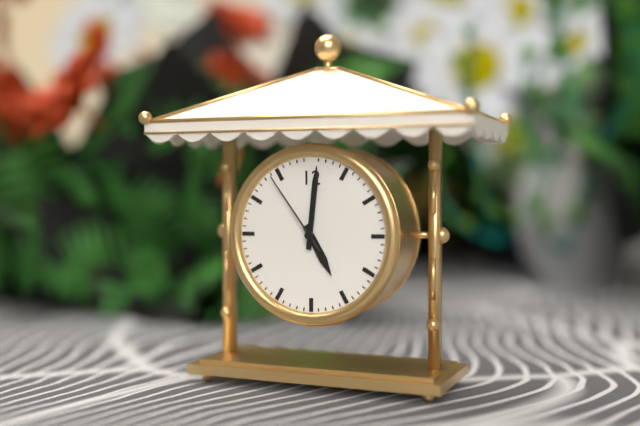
5:01:54
